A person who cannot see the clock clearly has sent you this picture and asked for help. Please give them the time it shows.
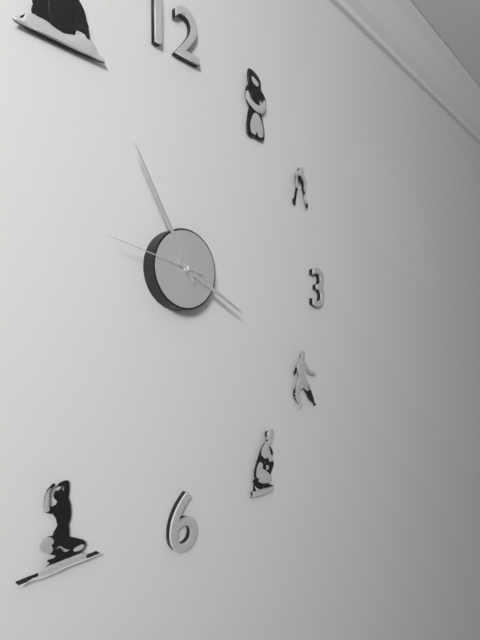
3:55:47
